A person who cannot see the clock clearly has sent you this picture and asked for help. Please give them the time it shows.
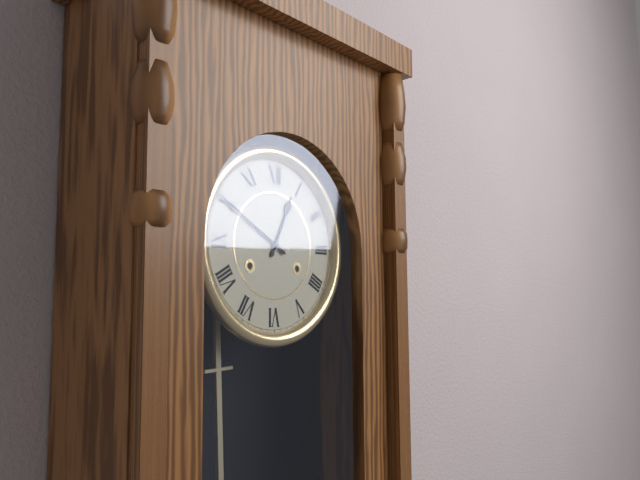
12:50
